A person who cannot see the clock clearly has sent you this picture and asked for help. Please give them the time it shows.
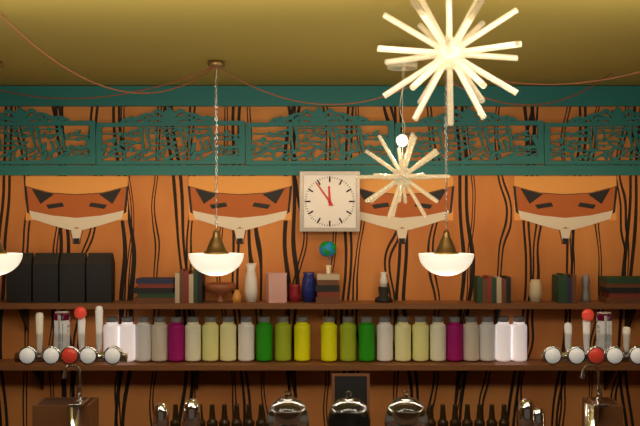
11:54
